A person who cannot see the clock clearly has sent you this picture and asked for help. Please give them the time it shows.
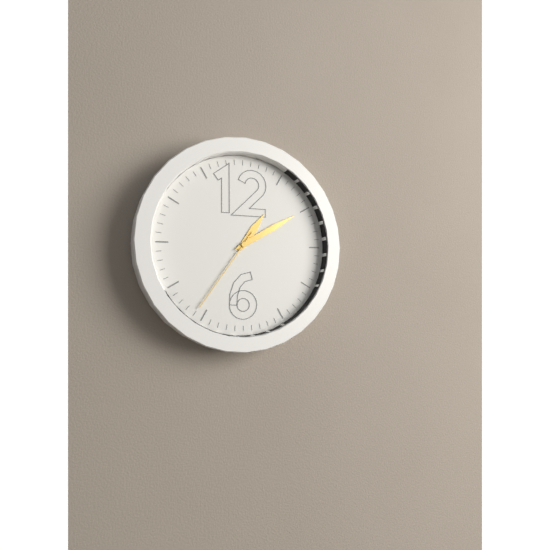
1:10:36
